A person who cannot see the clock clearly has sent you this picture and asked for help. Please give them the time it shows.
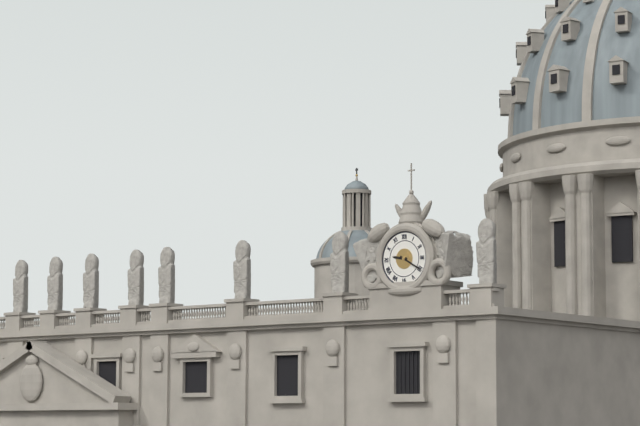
9:20
